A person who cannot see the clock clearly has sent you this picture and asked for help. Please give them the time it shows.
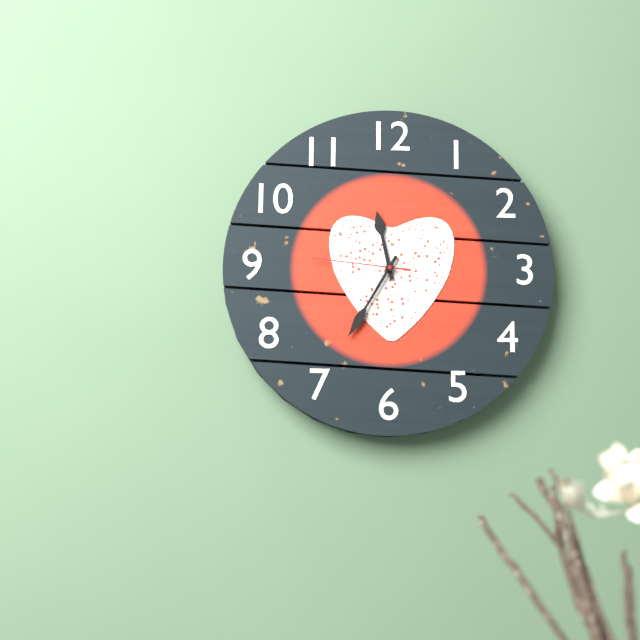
11:35:46
